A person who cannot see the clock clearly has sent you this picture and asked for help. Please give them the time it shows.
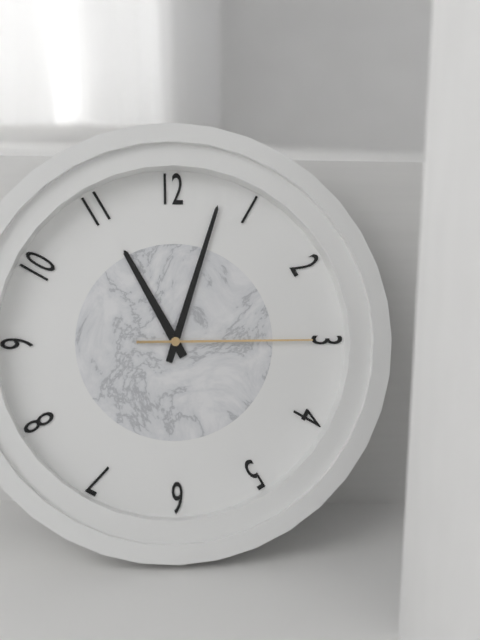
11:03:15
